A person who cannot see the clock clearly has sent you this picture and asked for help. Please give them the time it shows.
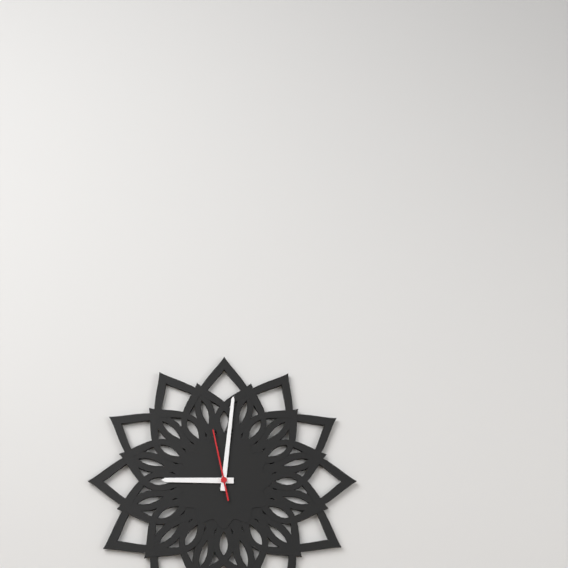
9:01:58
